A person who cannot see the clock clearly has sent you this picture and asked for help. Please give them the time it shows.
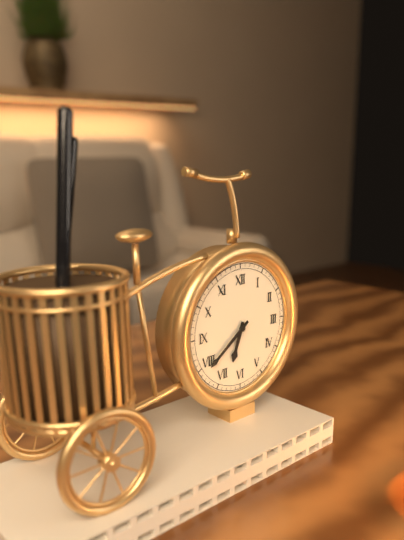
6:39
